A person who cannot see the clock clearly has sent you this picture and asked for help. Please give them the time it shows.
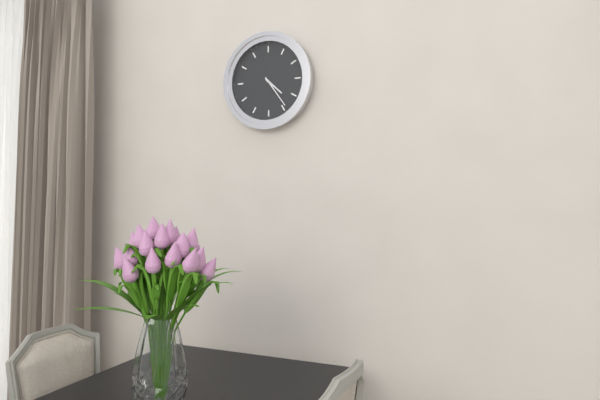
4:24
